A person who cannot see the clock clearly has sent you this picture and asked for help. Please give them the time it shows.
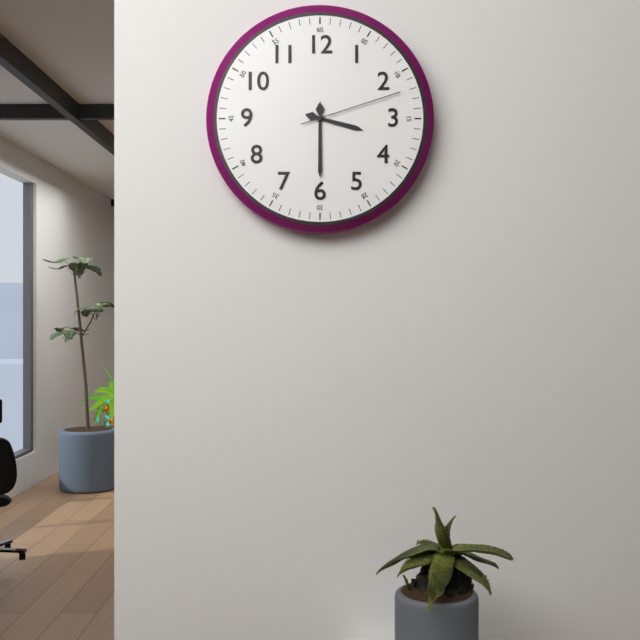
3:30:12
